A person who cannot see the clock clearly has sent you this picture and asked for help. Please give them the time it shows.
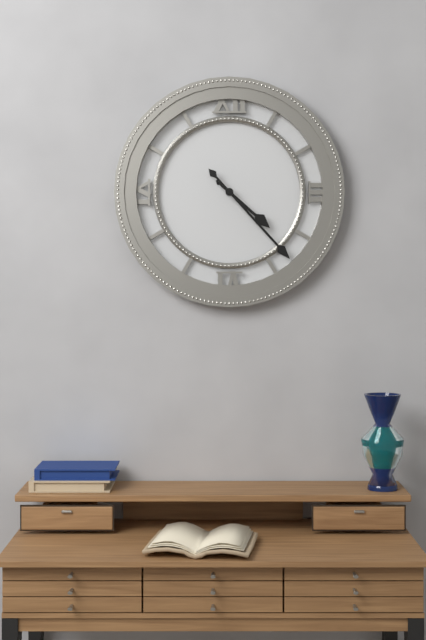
4:23
